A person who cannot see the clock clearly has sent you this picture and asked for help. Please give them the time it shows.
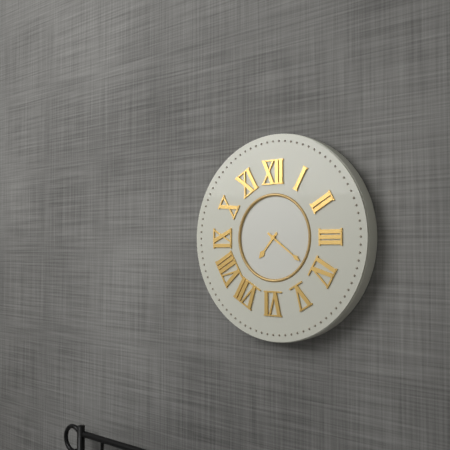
7:21
